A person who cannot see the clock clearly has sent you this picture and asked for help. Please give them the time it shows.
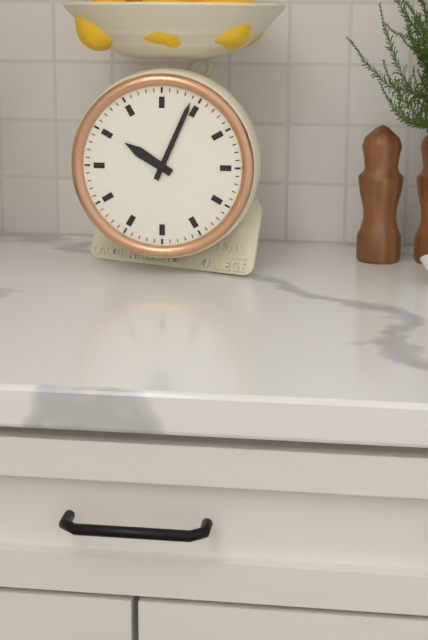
10:04
